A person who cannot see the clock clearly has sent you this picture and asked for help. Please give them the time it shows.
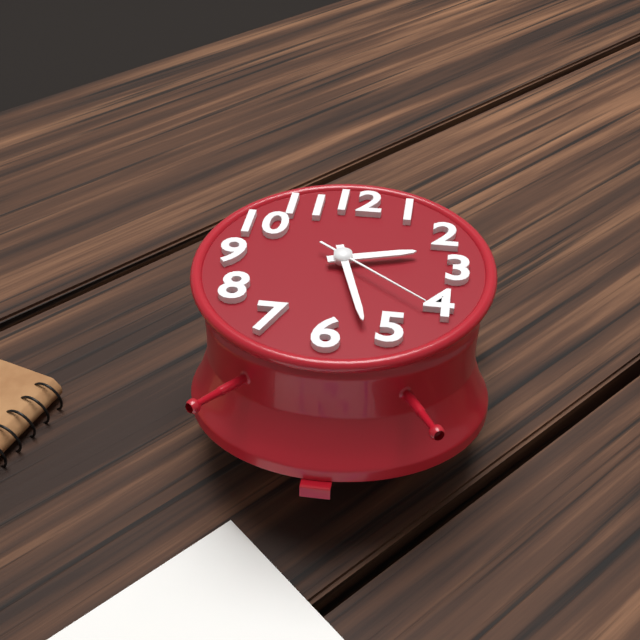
2:27:21
